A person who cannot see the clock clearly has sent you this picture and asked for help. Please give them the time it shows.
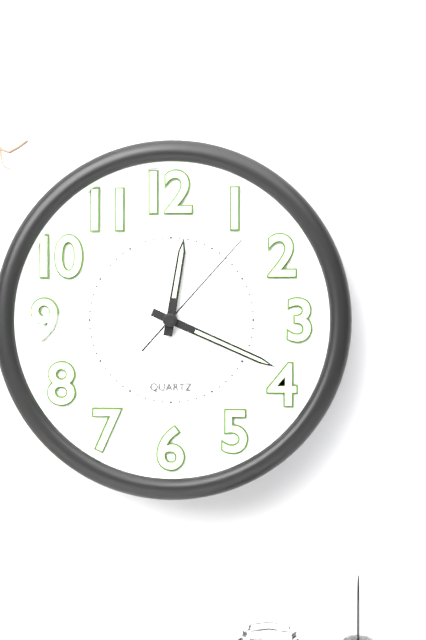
12:19:07
